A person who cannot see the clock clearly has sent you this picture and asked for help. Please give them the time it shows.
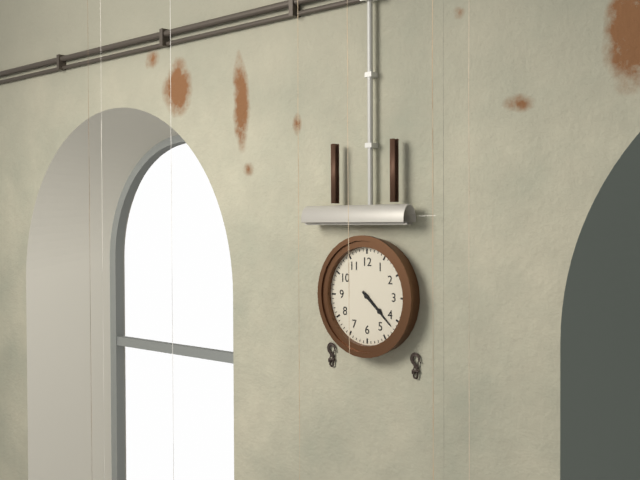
4:22
